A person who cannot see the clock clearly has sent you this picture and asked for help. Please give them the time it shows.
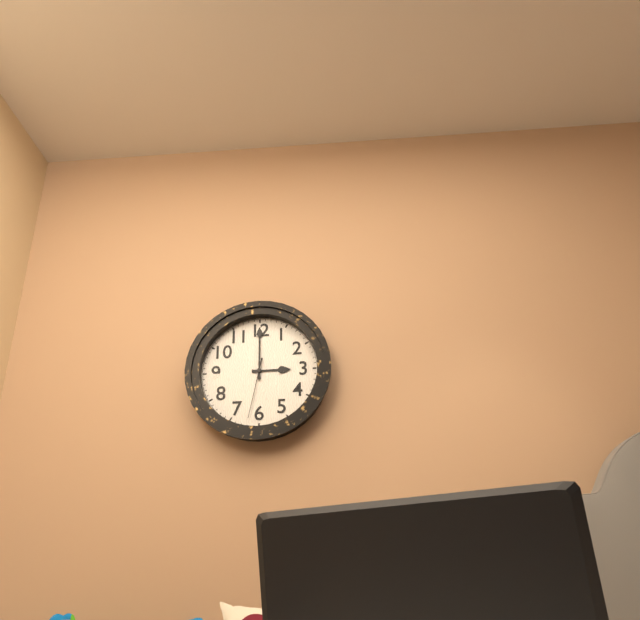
3:00:32
